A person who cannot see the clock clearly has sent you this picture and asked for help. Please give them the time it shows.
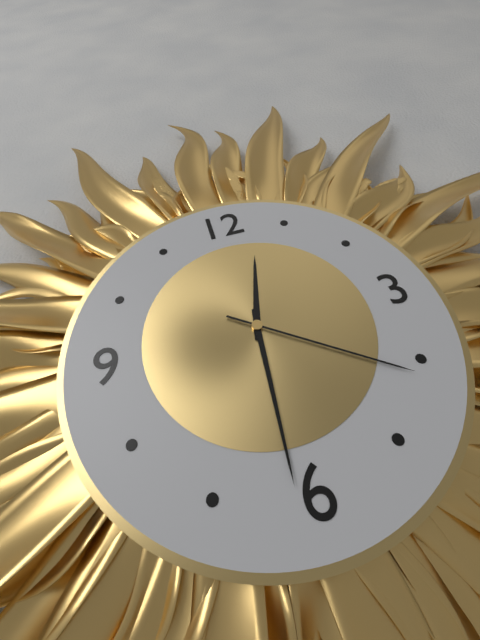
12:31:21
